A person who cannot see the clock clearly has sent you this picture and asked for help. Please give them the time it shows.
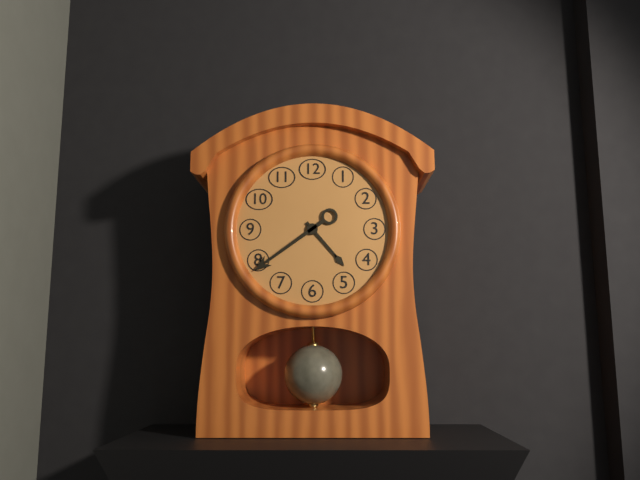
4:39
